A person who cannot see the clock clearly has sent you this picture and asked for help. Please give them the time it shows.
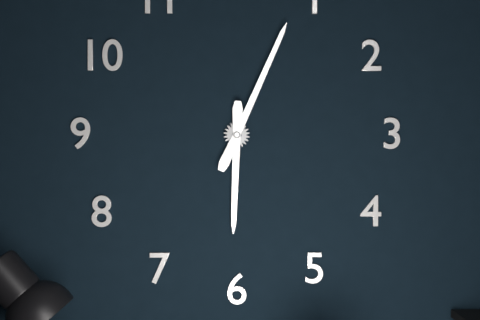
6:04
